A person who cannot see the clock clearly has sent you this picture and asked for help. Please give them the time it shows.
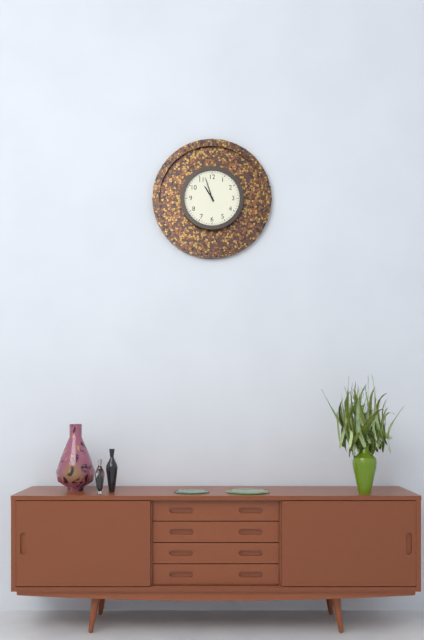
10:57
